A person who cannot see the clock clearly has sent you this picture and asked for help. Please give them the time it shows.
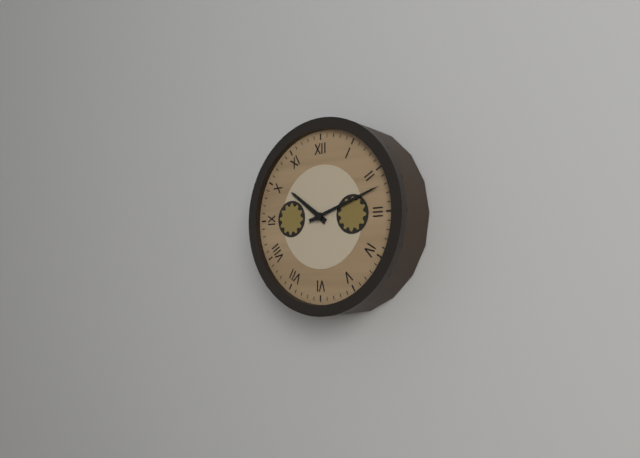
10:12
